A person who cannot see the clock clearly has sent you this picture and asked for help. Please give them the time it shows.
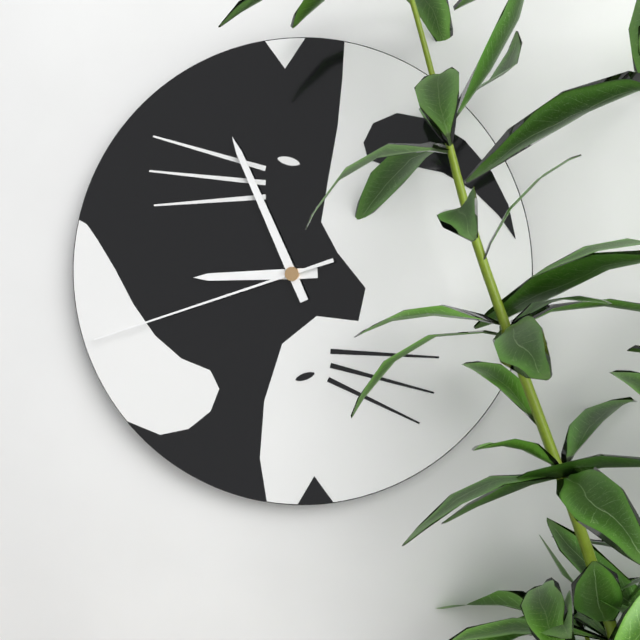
8:56:42
